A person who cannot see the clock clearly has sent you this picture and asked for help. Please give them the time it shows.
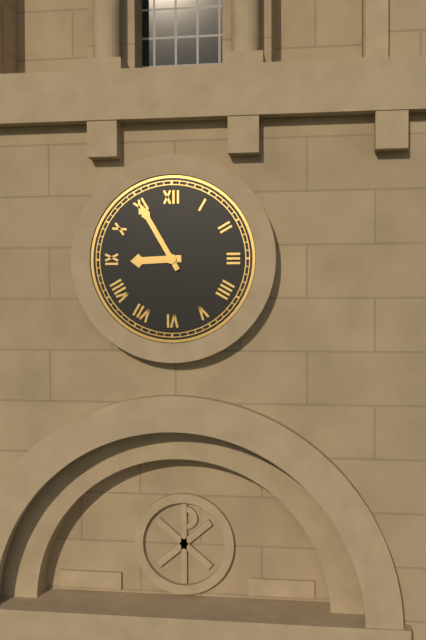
8:55
